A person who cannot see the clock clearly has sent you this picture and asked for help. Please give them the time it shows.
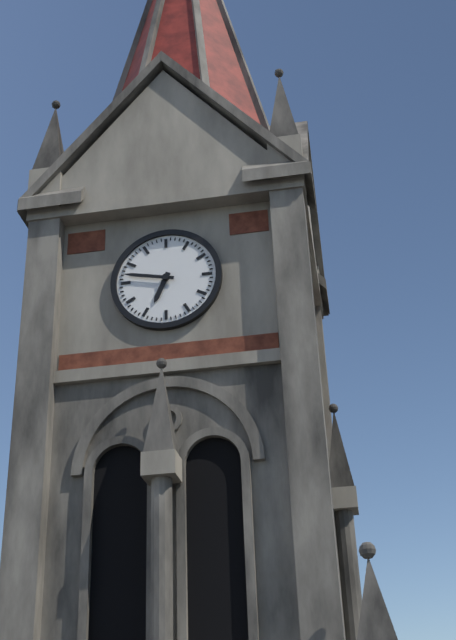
6:47
